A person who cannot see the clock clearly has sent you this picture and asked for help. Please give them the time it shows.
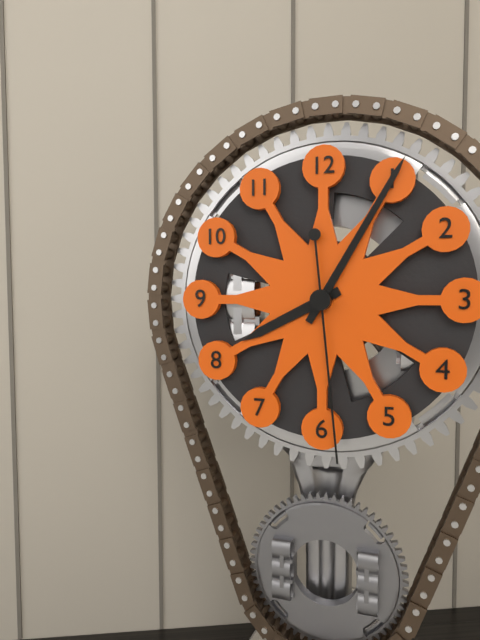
8:05:29
